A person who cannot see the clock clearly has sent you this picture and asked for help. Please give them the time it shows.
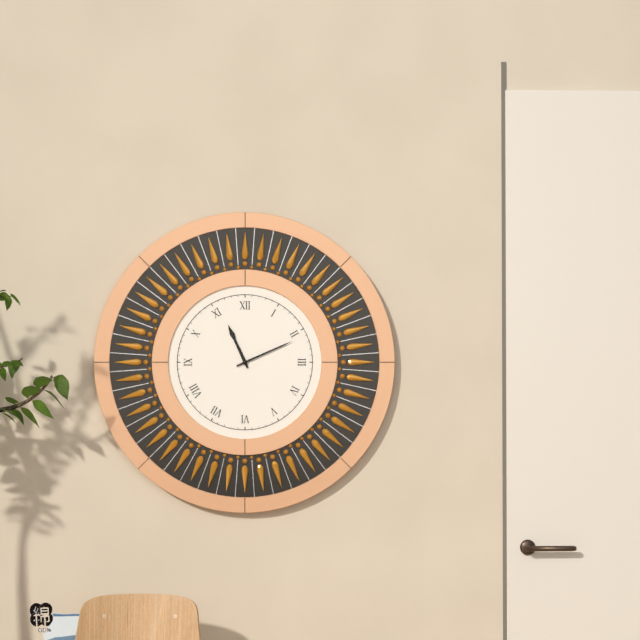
11:11
